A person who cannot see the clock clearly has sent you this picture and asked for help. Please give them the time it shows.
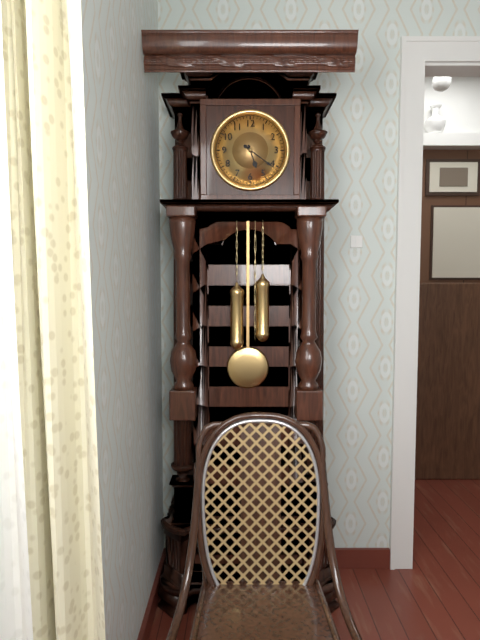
5:21
